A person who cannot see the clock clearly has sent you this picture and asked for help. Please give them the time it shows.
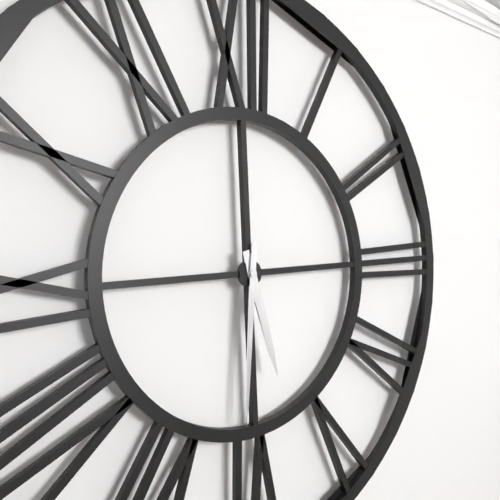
5:31
